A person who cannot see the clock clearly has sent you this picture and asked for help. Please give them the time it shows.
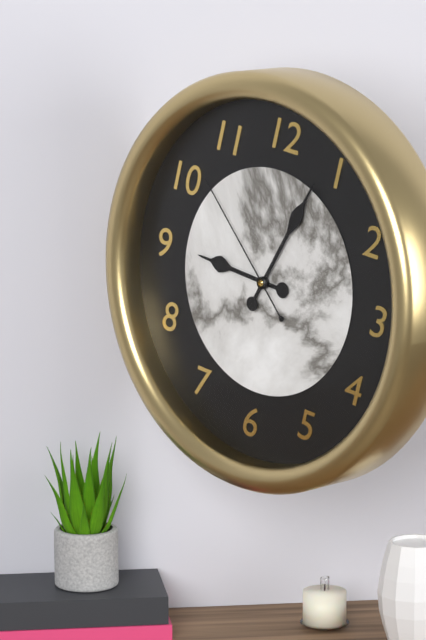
9:04:52
